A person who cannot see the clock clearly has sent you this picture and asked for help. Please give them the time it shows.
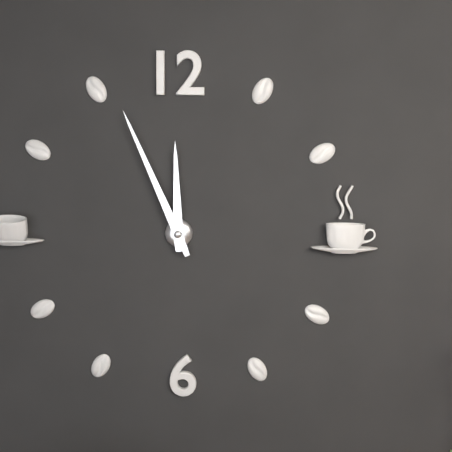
11:56
